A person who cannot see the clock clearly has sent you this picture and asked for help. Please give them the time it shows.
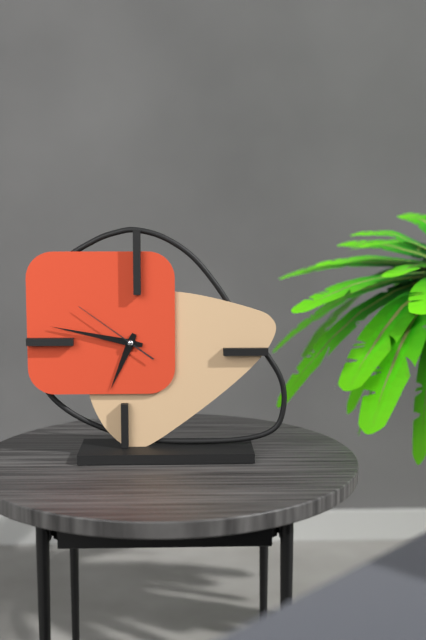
6:47:51
